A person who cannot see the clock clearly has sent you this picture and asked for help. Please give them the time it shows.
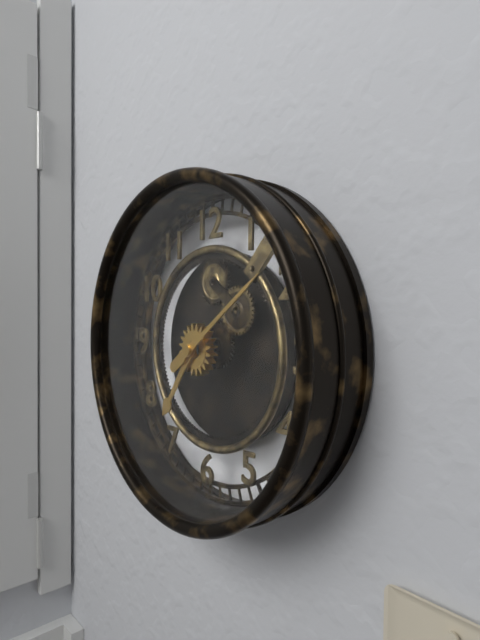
7:09
